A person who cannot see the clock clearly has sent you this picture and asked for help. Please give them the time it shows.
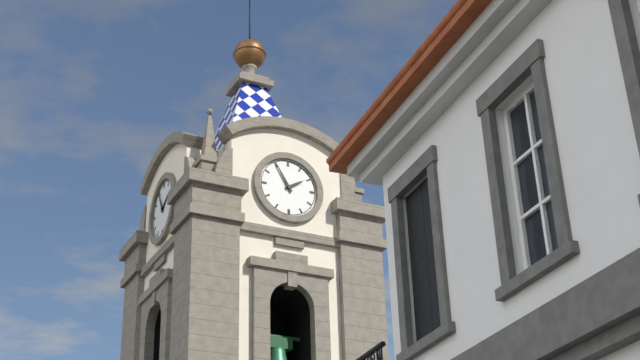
1:55
